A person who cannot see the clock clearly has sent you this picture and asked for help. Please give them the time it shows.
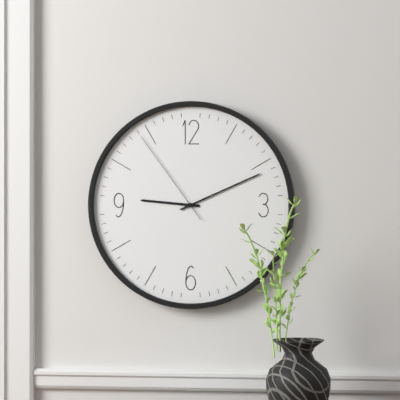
9:11:54
